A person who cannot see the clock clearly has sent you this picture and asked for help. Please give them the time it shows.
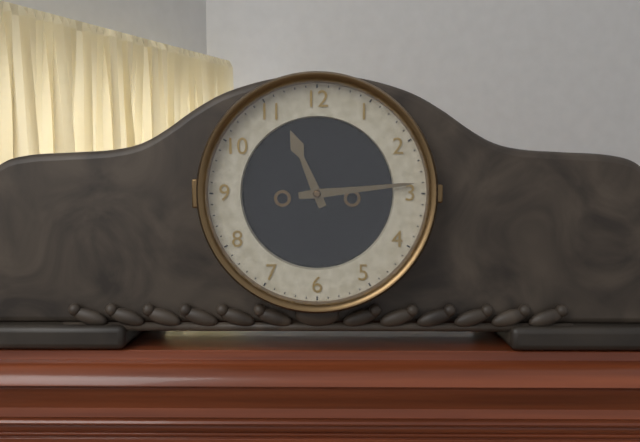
11:14
